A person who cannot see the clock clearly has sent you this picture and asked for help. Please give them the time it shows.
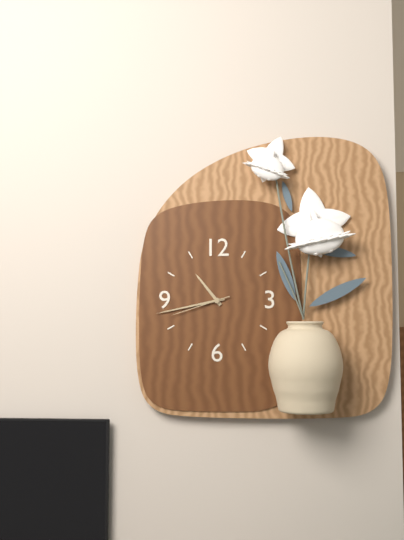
10:43:42
